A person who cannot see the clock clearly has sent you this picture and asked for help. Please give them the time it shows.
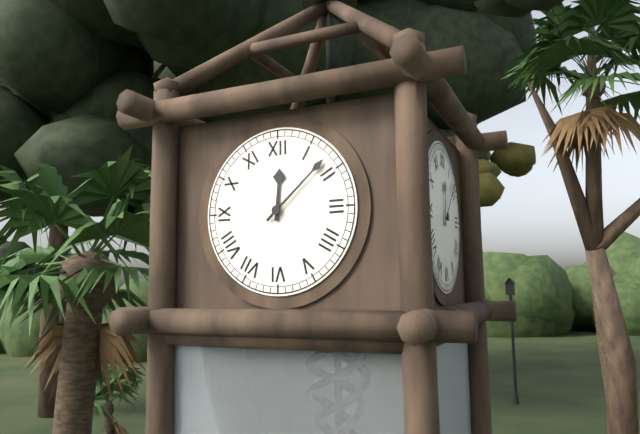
12:08
